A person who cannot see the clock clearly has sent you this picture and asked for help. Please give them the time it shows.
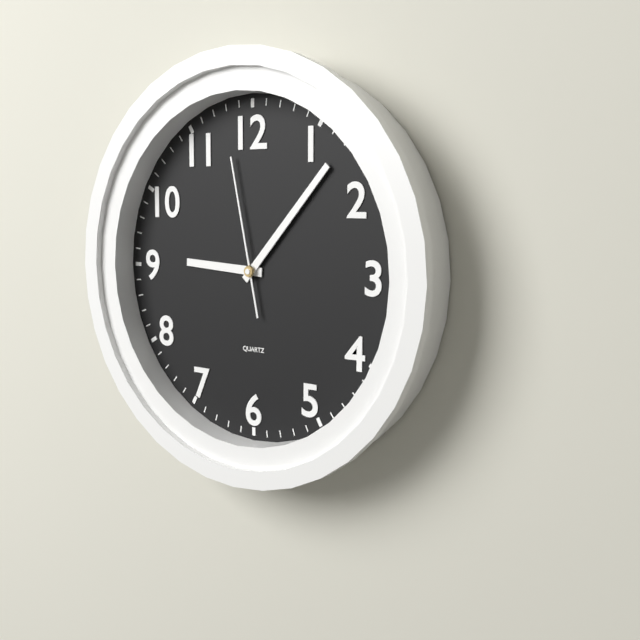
9:07:58
